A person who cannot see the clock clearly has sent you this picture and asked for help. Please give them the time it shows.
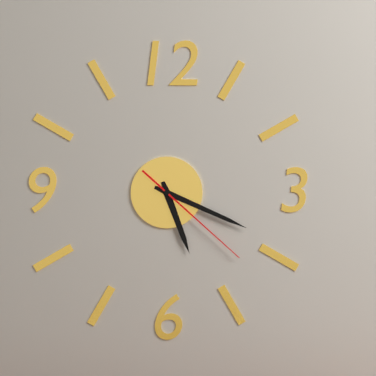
5:19:22
